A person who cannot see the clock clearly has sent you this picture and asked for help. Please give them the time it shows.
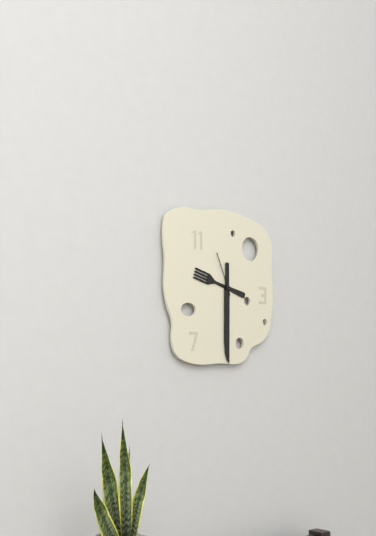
9:30
